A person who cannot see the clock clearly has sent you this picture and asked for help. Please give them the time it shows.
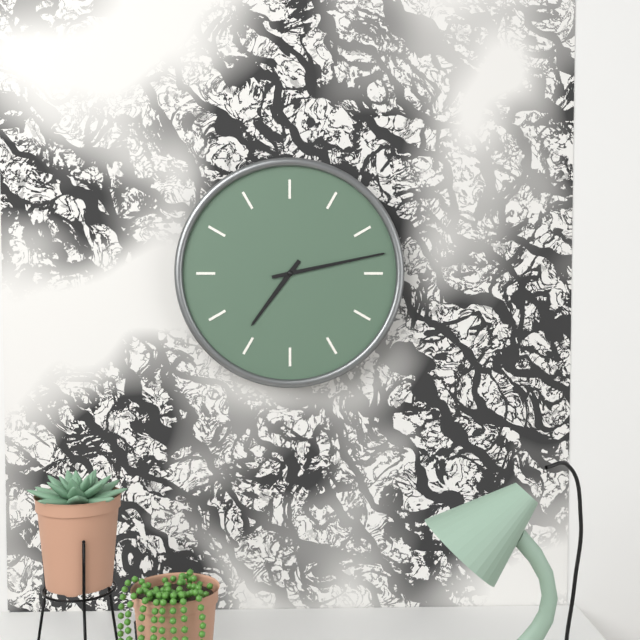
7:13
